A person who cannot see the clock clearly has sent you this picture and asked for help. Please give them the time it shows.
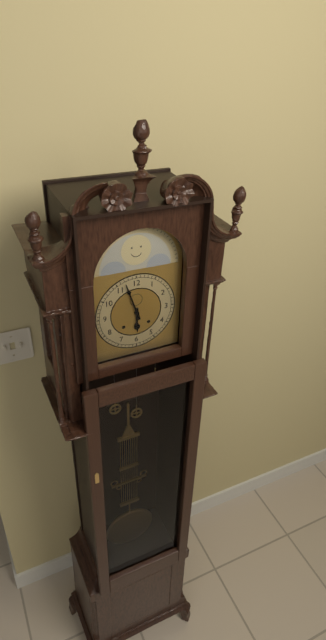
5:57
